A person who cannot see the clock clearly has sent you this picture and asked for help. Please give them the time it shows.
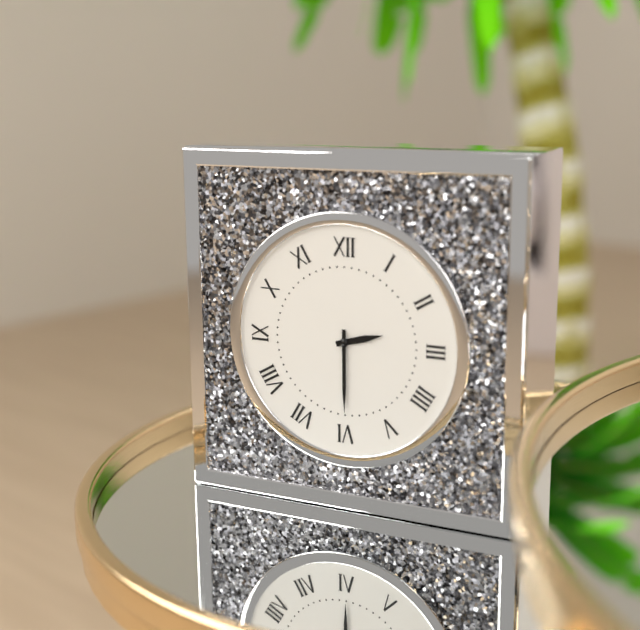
2:30
